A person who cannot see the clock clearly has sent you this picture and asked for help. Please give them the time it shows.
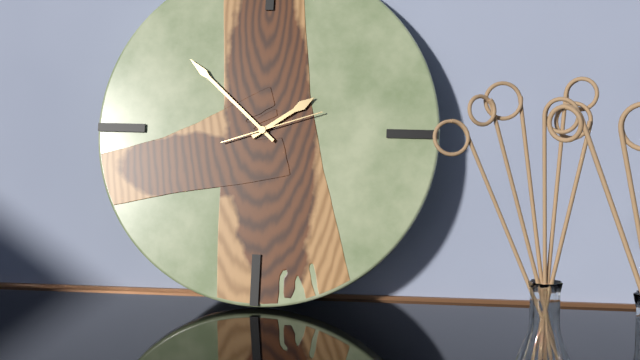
1:52:12
